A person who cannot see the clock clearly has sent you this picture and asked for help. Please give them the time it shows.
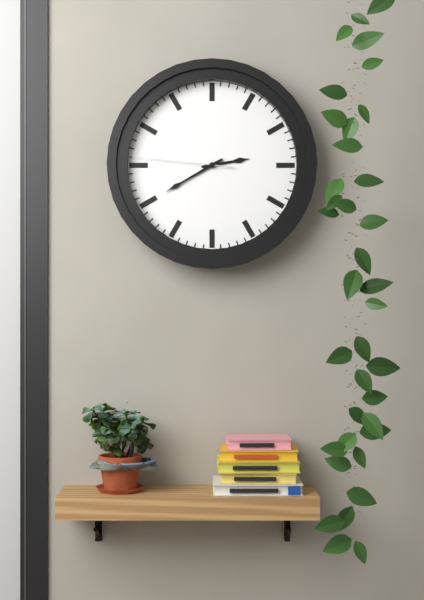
2:40:46
